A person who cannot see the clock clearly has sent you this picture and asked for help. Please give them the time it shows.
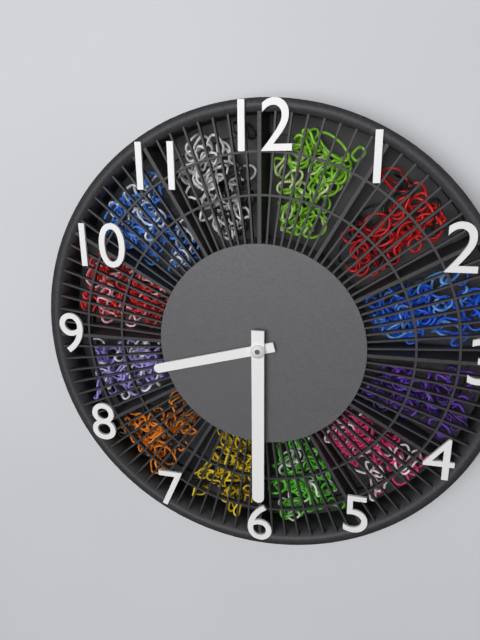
8:30
